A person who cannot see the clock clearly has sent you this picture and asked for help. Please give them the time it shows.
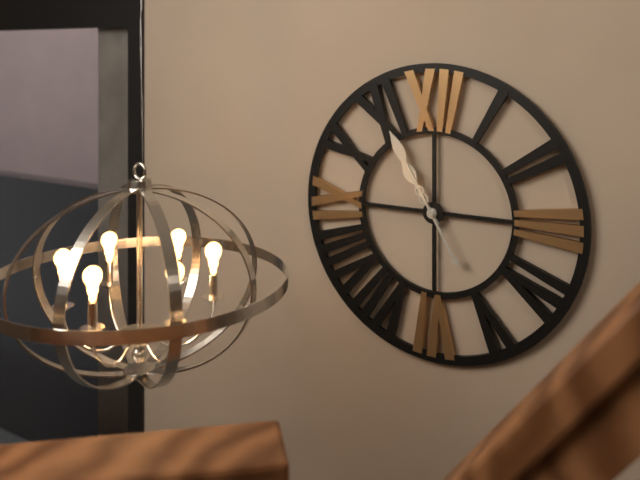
10:55
